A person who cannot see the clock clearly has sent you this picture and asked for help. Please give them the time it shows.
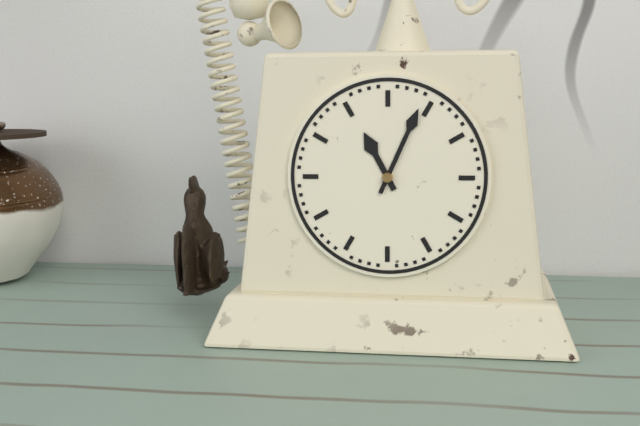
11:04
